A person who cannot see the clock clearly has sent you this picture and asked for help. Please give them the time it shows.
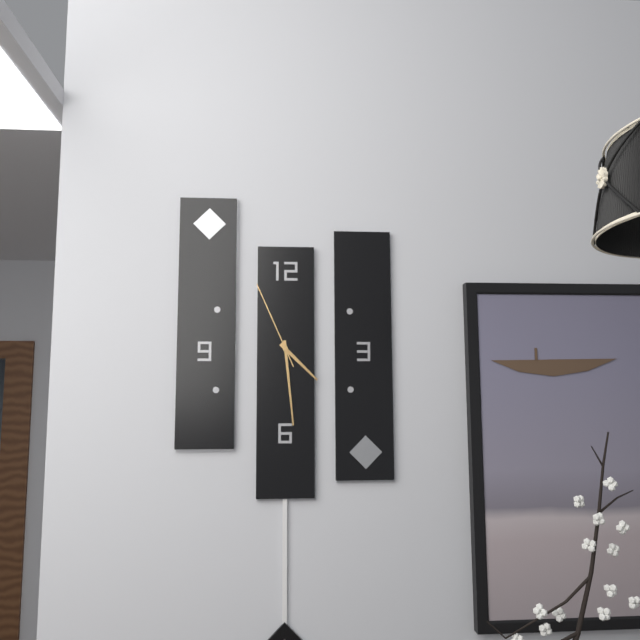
4:29:56
